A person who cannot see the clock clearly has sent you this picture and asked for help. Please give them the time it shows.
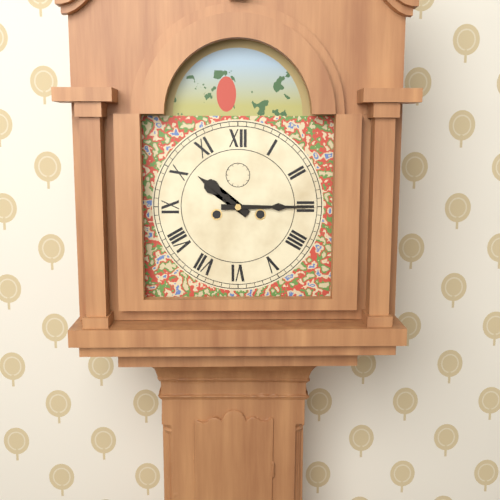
10:15
